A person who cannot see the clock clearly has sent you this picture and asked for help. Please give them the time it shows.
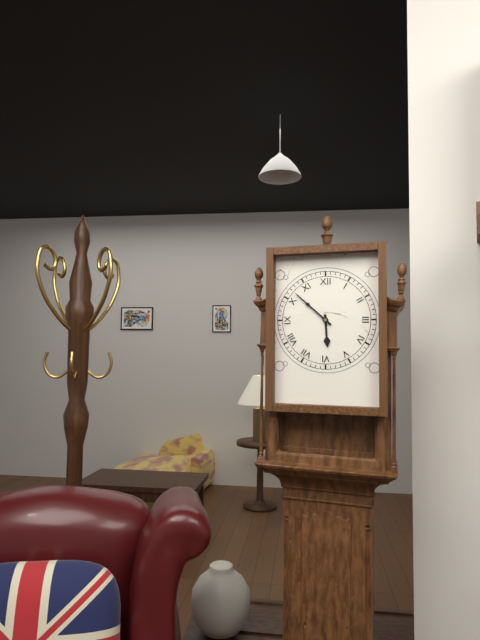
5:52
